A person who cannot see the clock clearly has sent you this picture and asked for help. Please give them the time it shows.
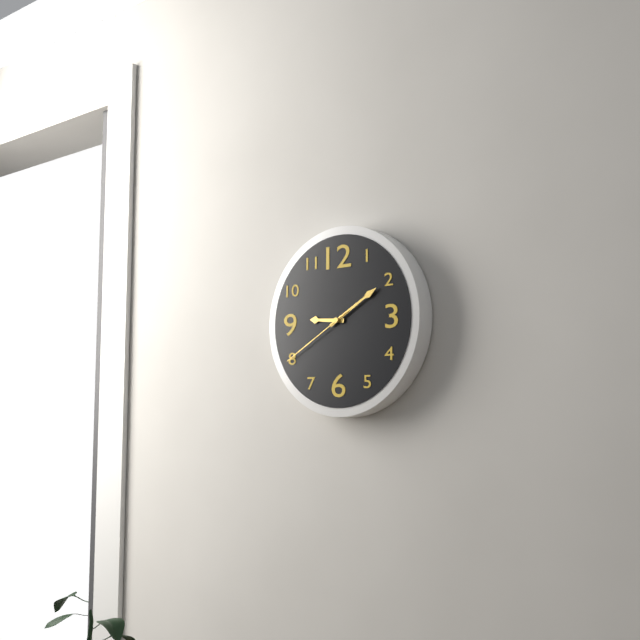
9:10:40
